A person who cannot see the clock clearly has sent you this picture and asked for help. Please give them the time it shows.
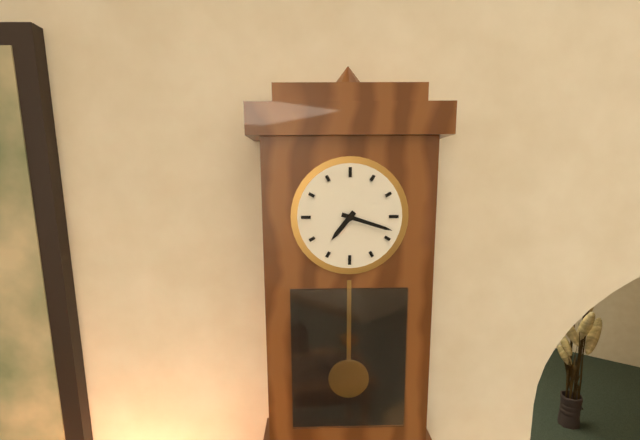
7:18
